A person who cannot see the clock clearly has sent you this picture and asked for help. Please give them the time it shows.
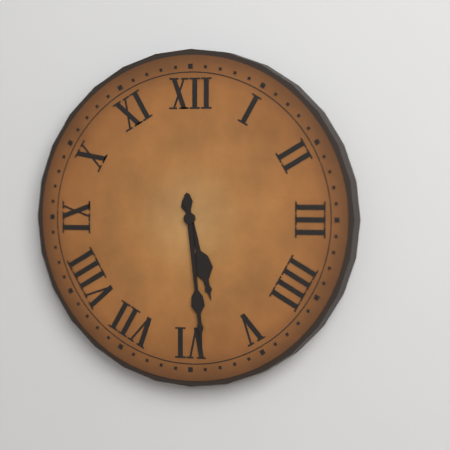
5:29
